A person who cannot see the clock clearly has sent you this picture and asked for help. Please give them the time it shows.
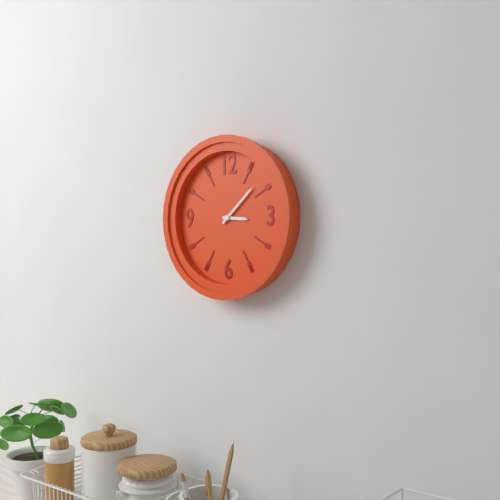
3:08
